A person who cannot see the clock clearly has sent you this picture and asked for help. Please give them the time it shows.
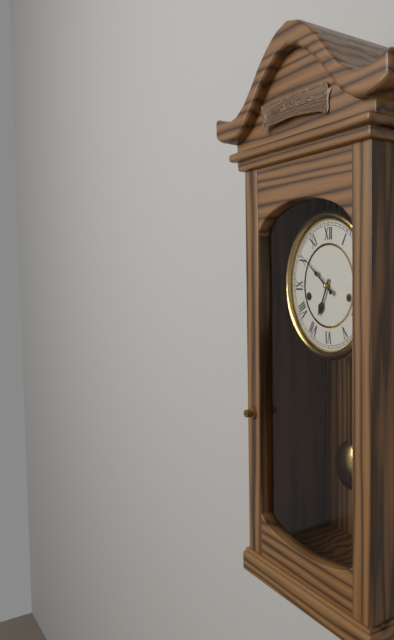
6:51
